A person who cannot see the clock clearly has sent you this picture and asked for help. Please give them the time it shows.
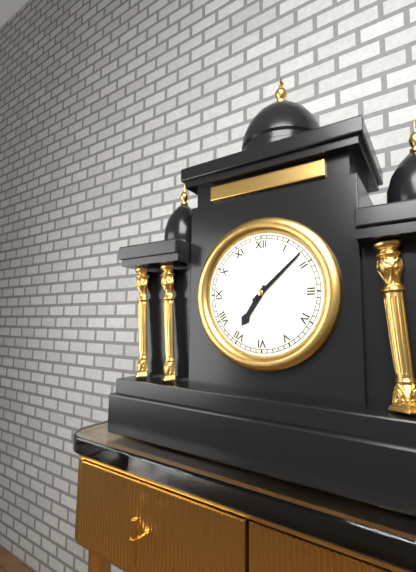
7:08
